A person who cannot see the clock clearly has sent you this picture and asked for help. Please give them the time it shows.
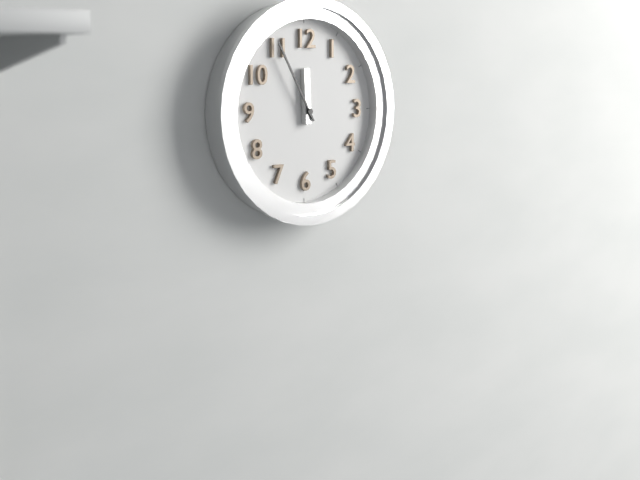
11:55
